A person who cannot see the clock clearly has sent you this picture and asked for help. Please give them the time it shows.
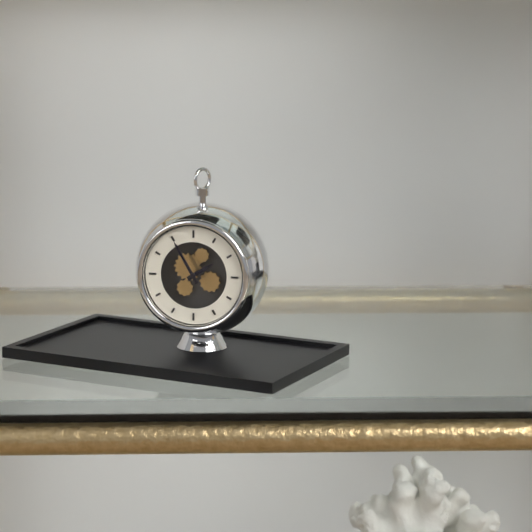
1:55
